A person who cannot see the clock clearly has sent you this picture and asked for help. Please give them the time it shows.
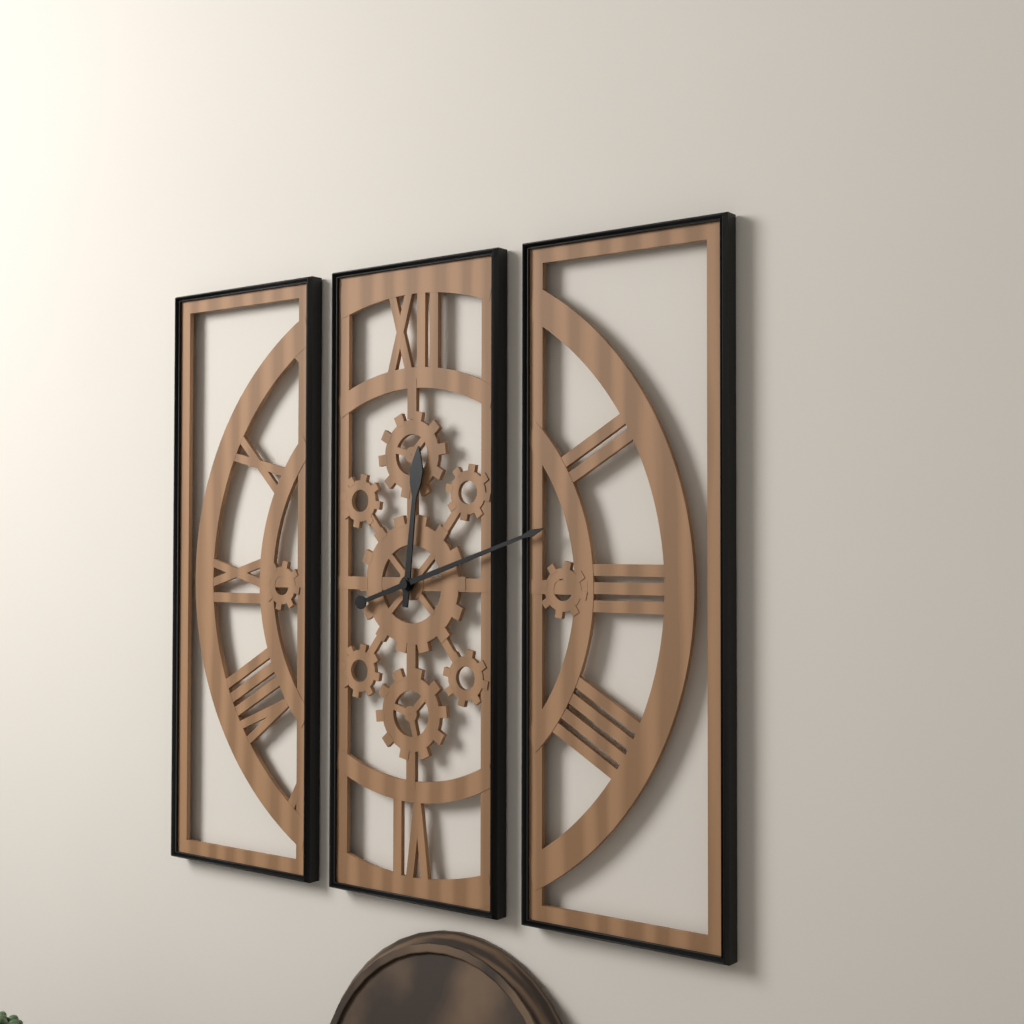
12:12
